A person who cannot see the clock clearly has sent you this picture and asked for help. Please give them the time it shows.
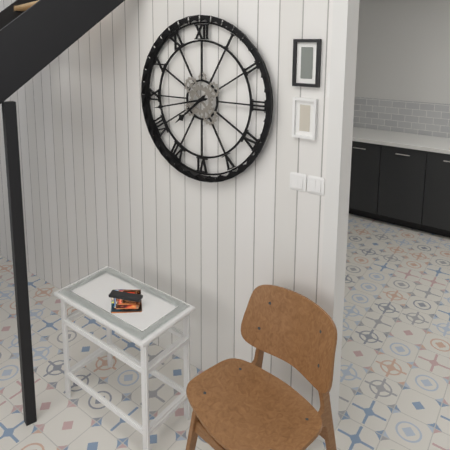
7:43
